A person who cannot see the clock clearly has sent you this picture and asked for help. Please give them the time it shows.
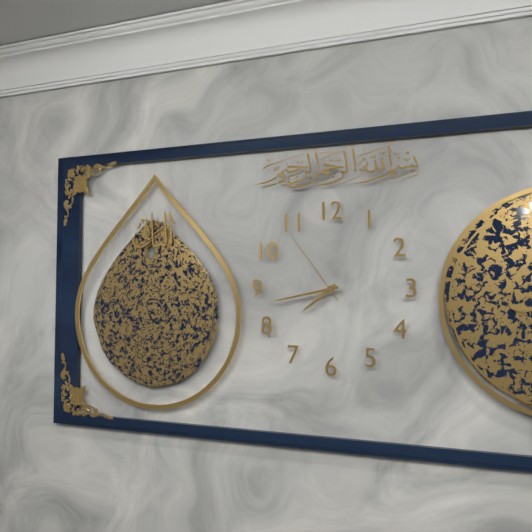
7:43:54
